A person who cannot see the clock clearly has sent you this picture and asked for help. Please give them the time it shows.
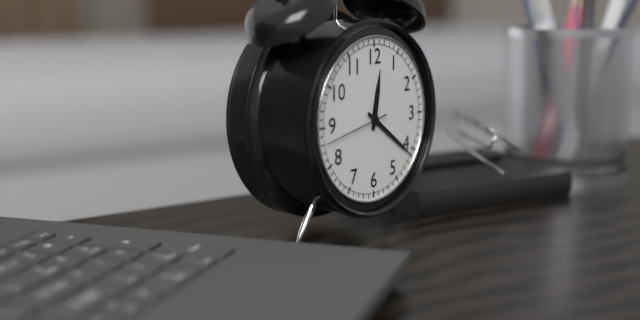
12:21:43
